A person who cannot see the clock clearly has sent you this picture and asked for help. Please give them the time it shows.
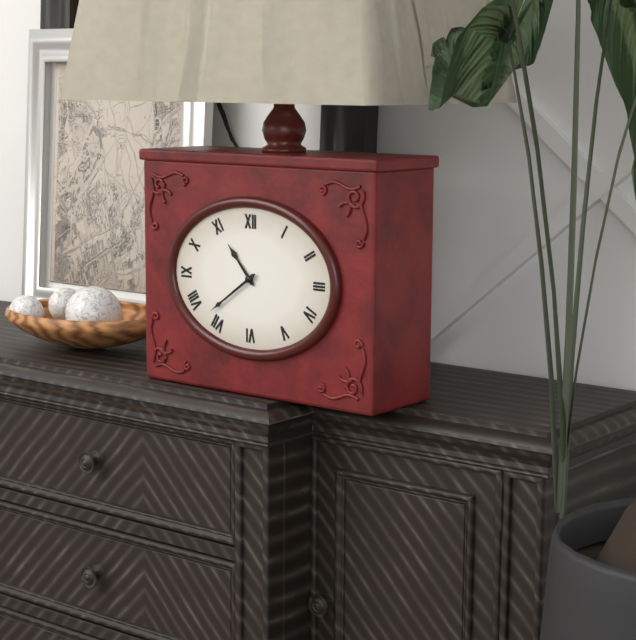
10:39
